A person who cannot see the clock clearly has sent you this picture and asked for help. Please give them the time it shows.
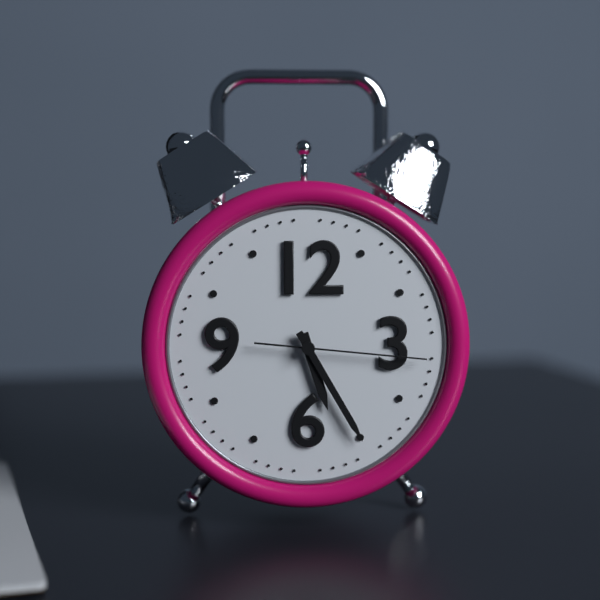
5:25:16
